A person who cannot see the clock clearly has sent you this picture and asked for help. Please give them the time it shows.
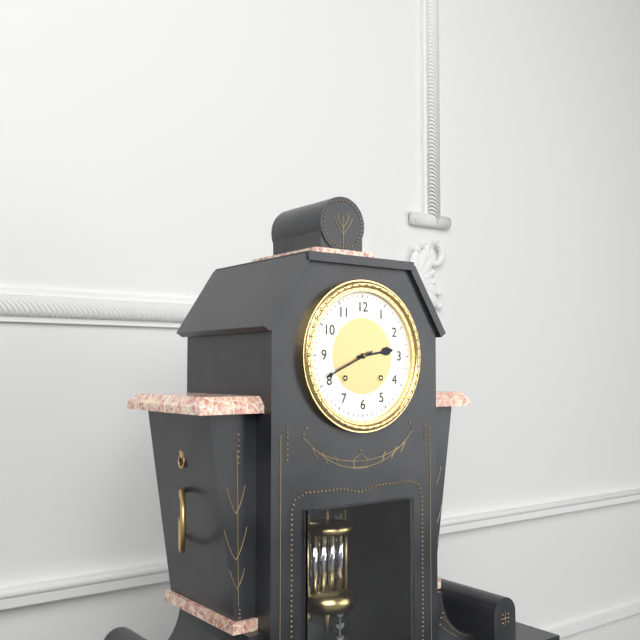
2:41
